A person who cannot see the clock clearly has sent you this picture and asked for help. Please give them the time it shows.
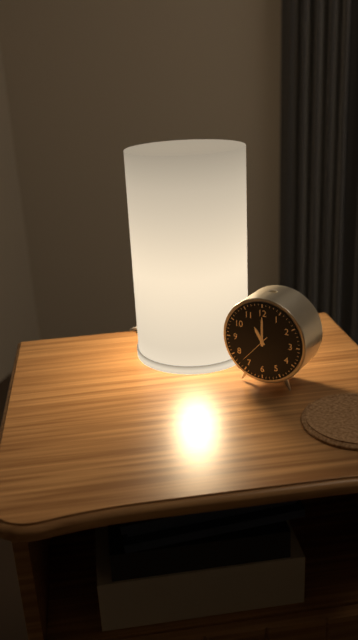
11:00
